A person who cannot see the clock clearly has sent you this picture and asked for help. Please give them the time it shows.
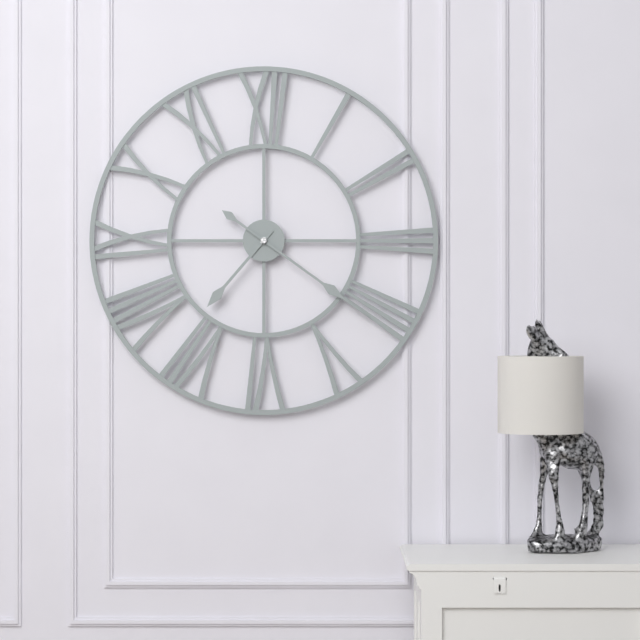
7:21
